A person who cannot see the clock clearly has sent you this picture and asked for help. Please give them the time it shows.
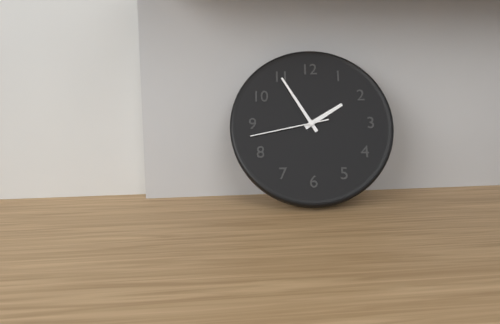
1:55:43
